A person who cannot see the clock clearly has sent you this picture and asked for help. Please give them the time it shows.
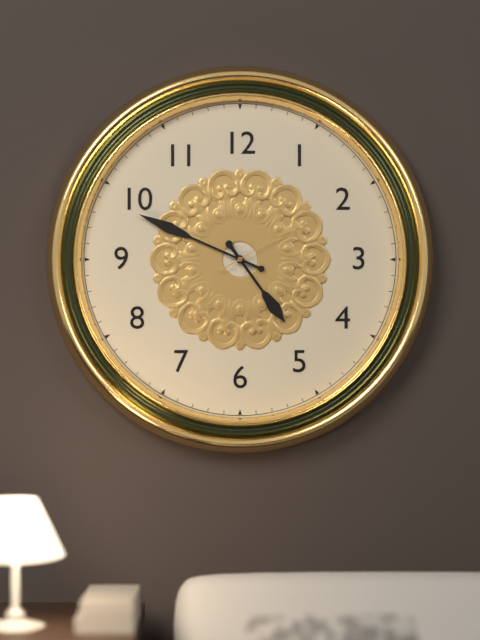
4:49:10
